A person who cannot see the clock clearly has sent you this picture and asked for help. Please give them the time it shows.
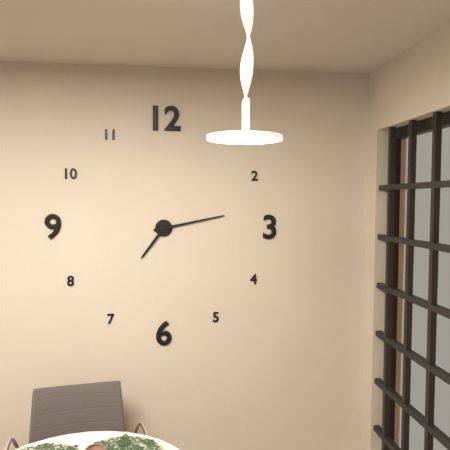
7:13
